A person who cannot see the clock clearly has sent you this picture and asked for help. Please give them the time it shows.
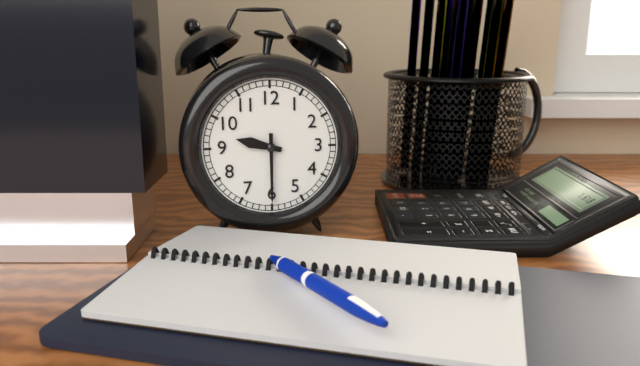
9:30
